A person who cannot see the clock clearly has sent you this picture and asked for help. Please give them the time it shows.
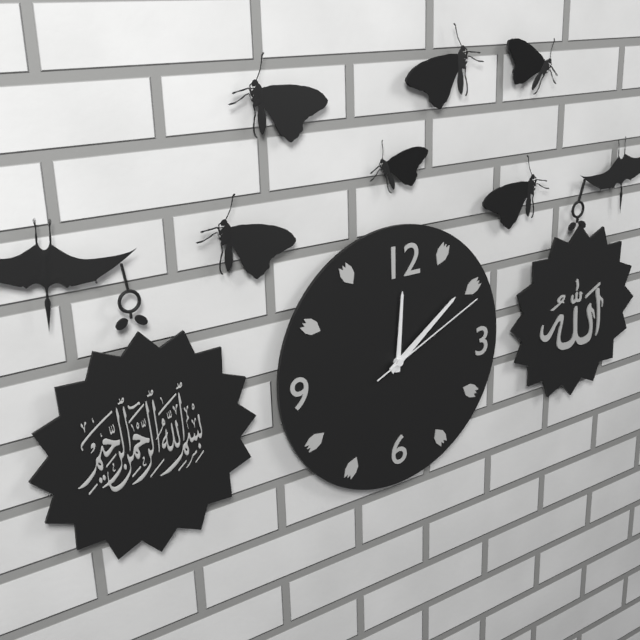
12:09:11
